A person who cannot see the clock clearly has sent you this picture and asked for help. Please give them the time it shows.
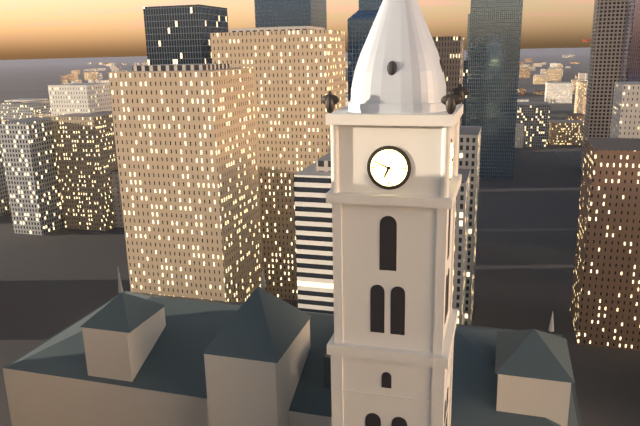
6:49
